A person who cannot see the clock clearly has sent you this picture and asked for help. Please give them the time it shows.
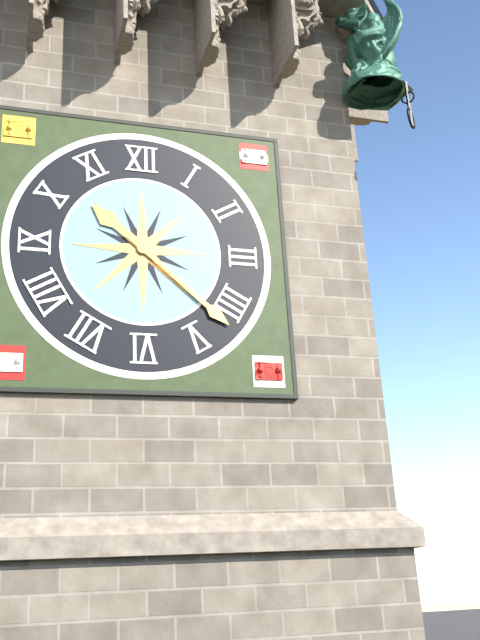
10:22
